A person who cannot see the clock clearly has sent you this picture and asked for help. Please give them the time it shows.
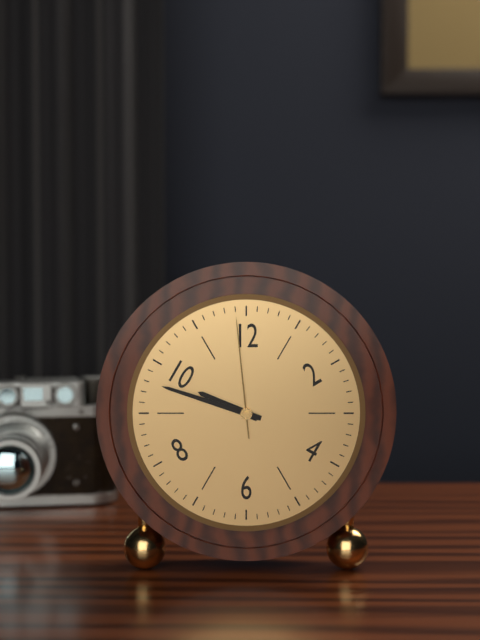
9:48:59
